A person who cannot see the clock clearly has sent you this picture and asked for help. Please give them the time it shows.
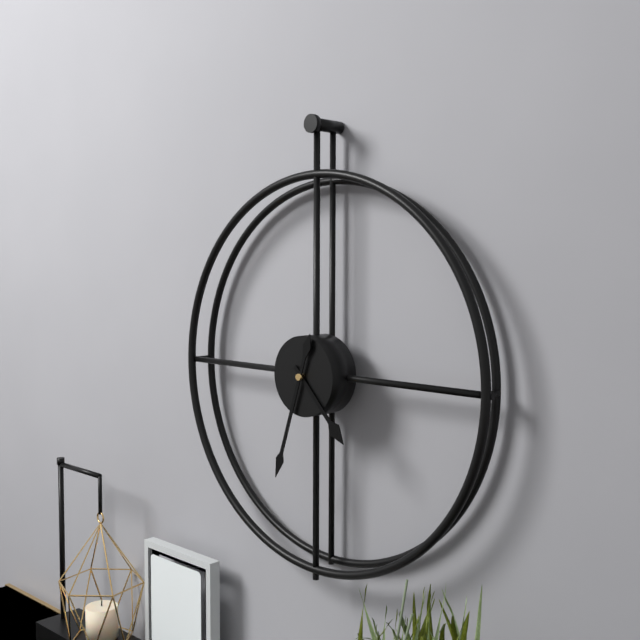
4:33
